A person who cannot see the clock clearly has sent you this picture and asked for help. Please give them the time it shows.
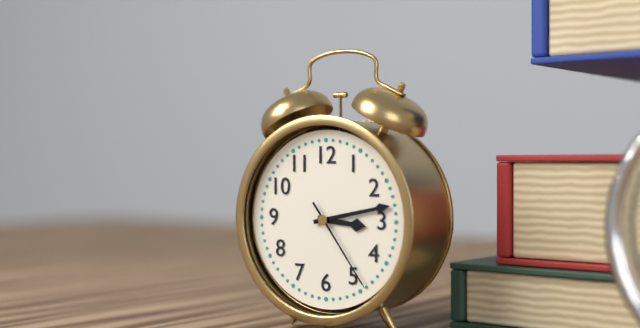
3:13:24
